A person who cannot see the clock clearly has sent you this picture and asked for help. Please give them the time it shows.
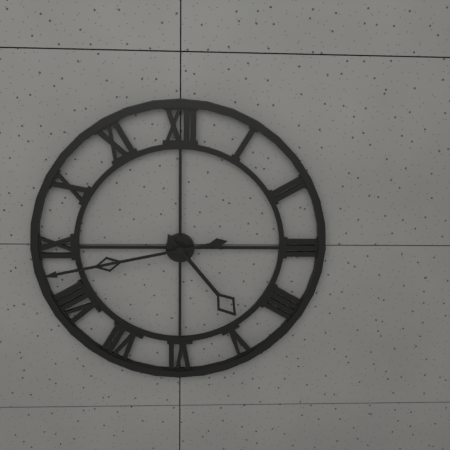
4:43
